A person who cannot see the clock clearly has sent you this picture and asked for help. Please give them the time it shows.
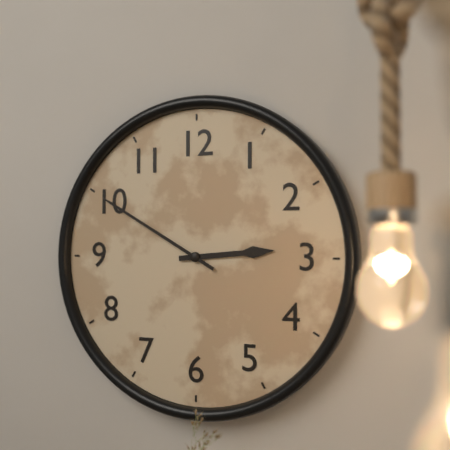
2:50
